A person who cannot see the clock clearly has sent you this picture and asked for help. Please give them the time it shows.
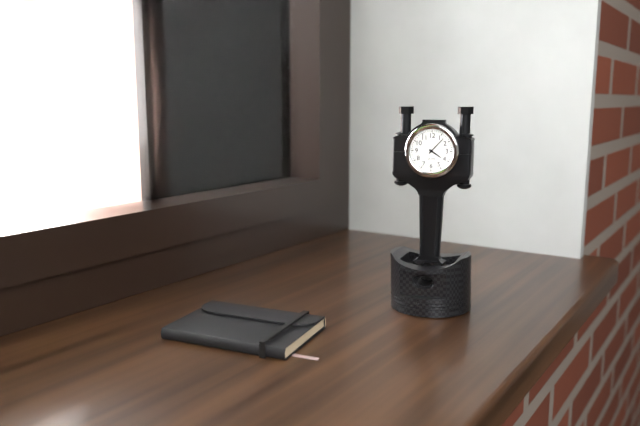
4:07
